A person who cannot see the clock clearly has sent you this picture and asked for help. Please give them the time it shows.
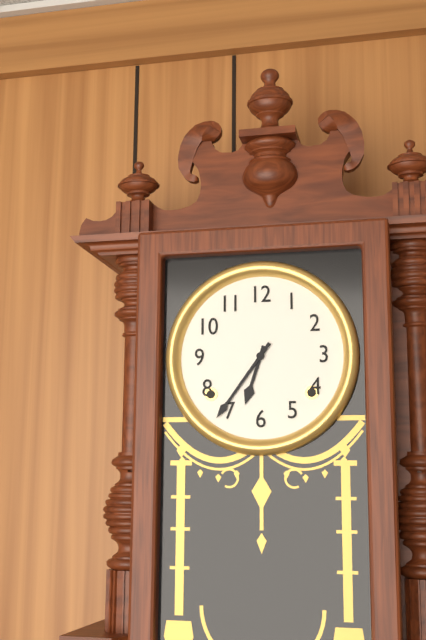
6:36
